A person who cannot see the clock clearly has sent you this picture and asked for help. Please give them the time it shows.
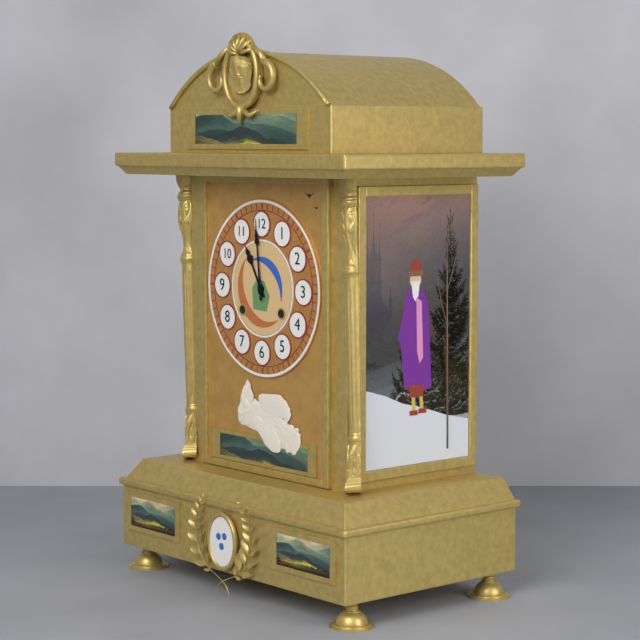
10:59
